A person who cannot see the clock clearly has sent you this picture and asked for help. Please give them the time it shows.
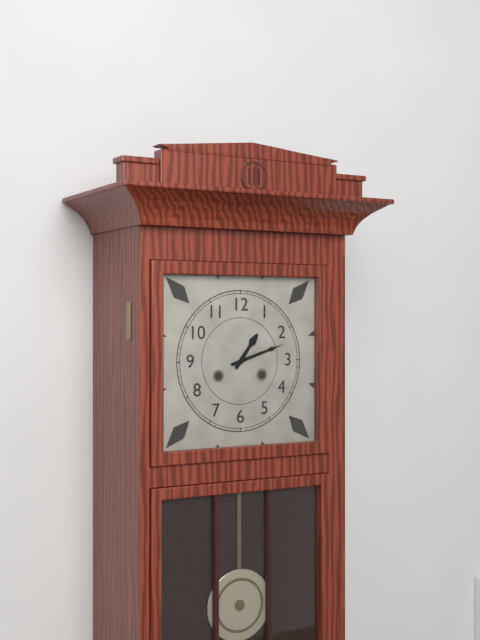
1:12
